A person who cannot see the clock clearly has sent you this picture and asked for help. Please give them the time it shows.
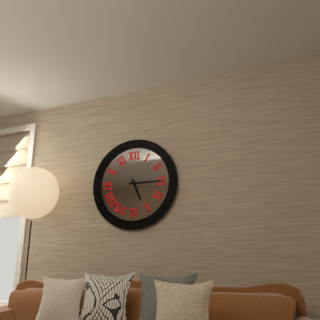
5:15
